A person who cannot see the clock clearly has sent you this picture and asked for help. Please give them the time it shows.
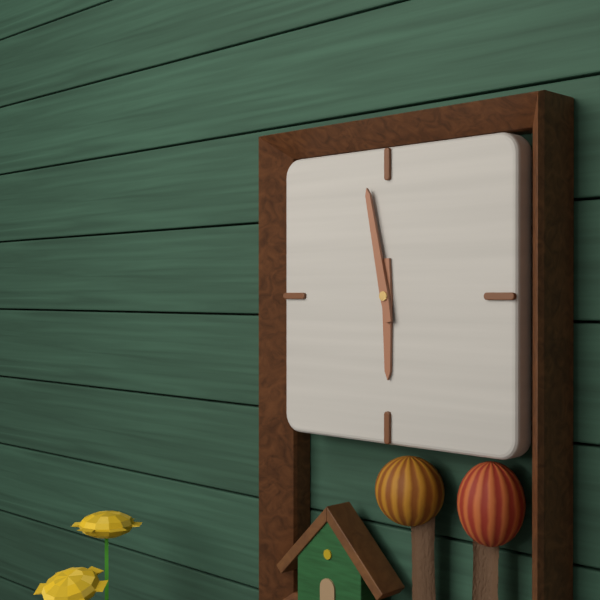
5:58
